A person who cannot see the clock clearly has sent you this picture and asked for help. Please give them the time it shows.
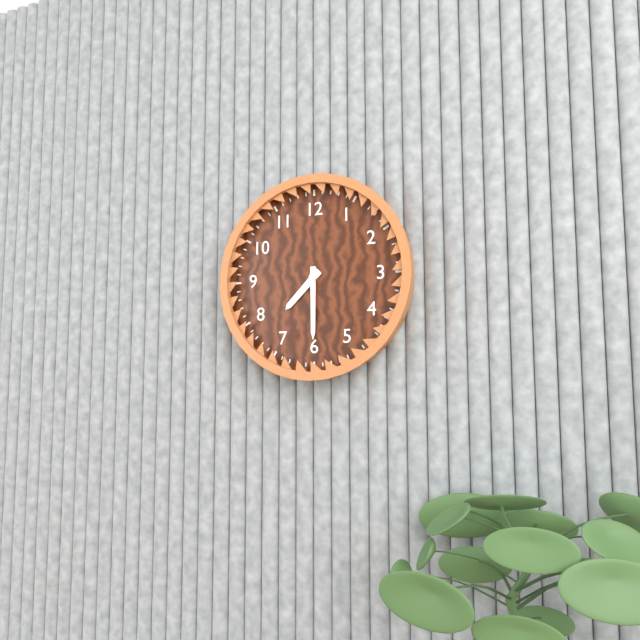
7:30
